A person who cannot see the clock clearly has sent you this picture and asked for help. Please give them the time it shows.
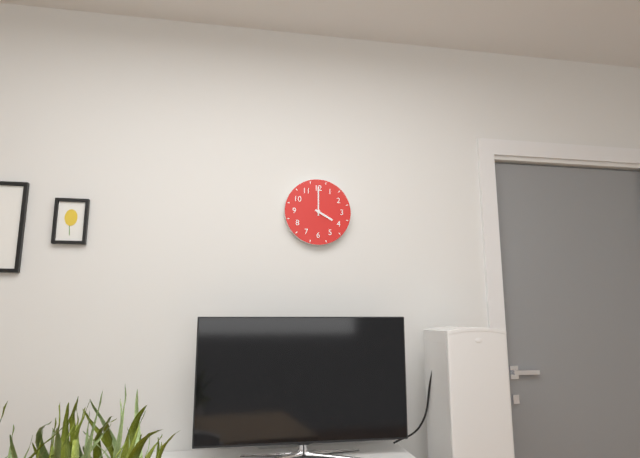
4:00
